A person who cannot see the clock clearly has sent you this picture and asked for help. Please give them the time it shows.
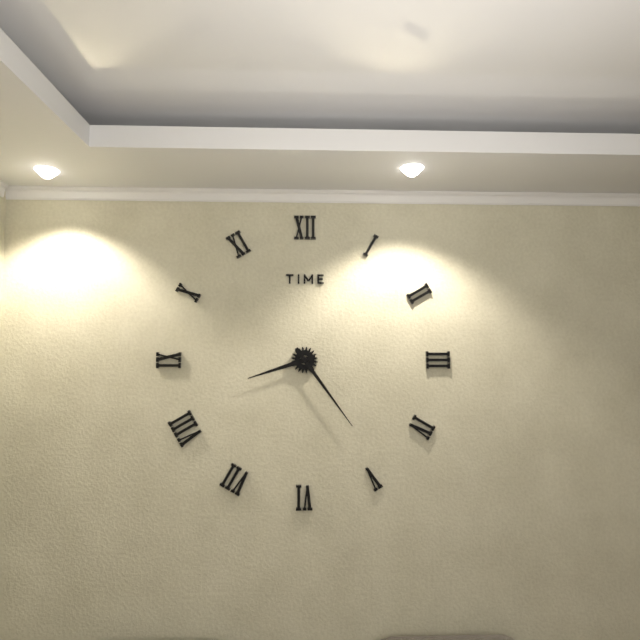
8:24
